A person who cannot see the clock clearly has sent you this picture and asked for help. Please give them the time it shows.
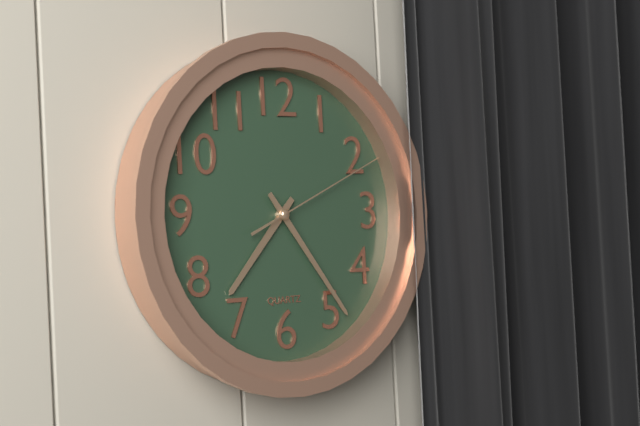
7:24:11
